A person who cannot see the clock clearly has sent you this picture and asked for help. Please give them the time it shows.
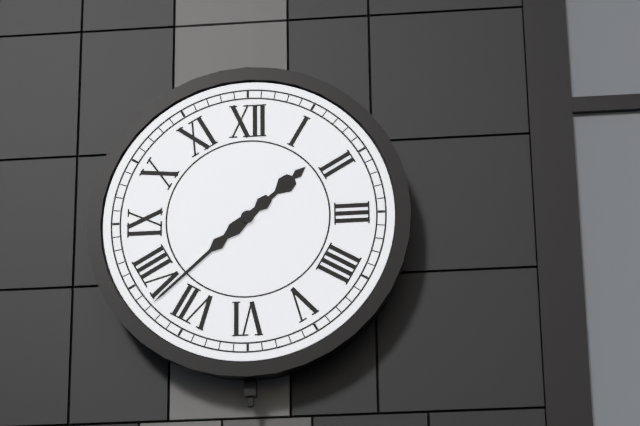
1:38
